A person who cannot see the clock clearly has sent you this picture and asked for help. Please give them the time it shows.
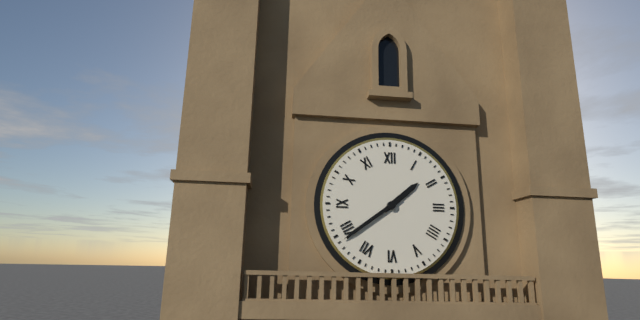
1:39
